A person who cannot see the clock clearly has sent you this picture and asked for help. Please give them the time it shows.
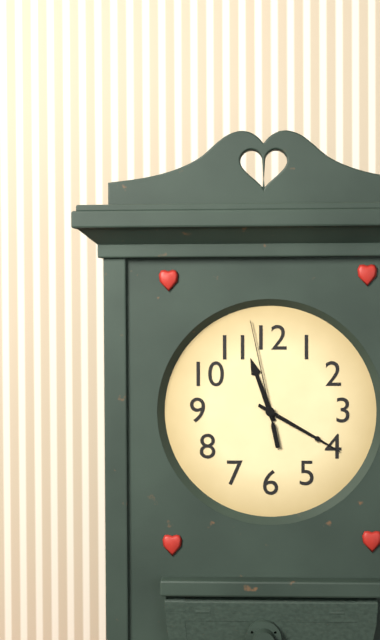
11:20:58
